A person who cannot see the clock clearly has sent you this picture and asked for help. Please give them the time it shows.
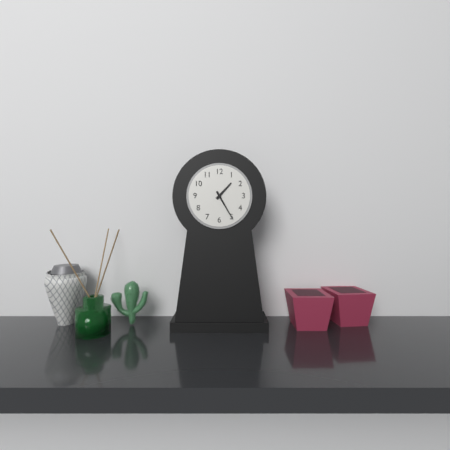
1:25
